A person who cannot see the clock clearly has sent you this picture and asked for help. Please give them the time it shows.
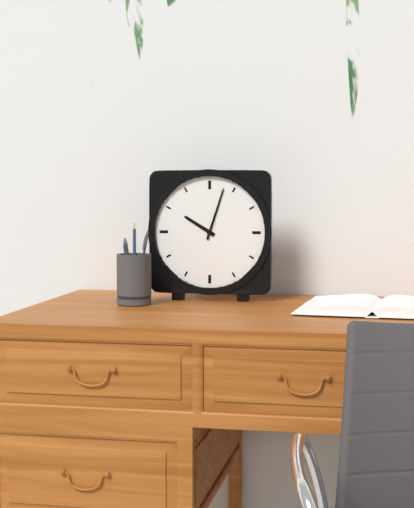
10:03
